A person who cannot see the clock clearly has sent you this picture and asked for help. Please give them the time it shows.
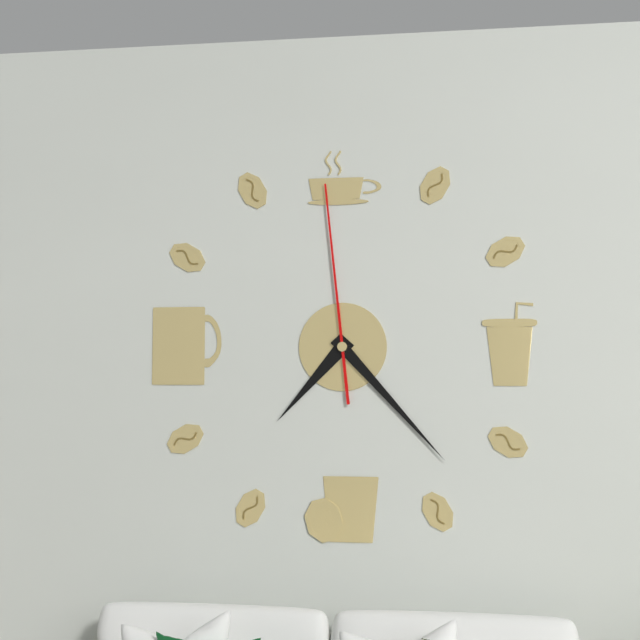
7:23:59
